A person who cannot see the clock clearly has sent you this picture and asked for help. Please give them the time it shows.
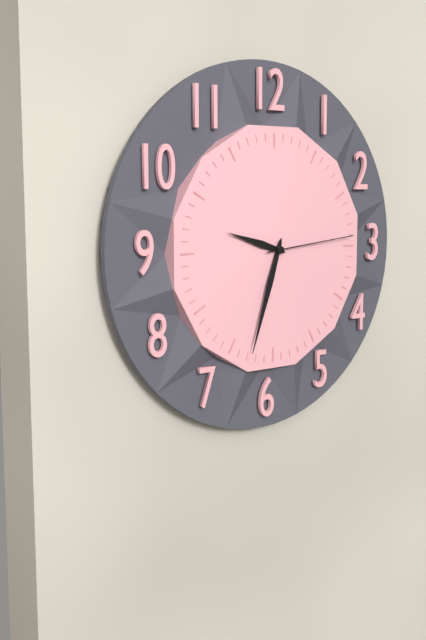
9:33:14
